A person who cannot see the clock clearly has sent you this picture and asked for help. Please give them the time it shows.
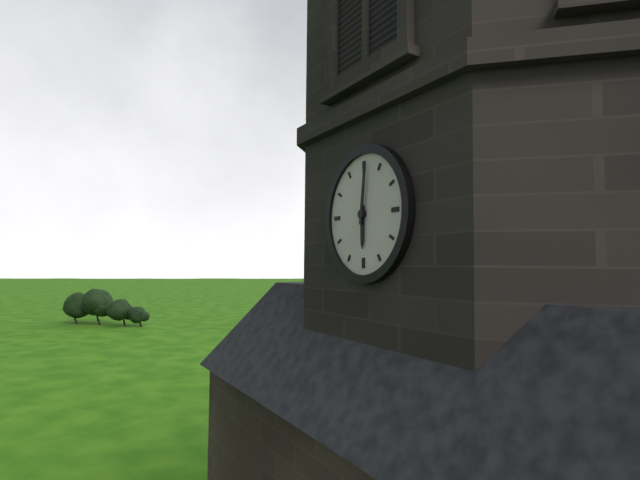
6:01
